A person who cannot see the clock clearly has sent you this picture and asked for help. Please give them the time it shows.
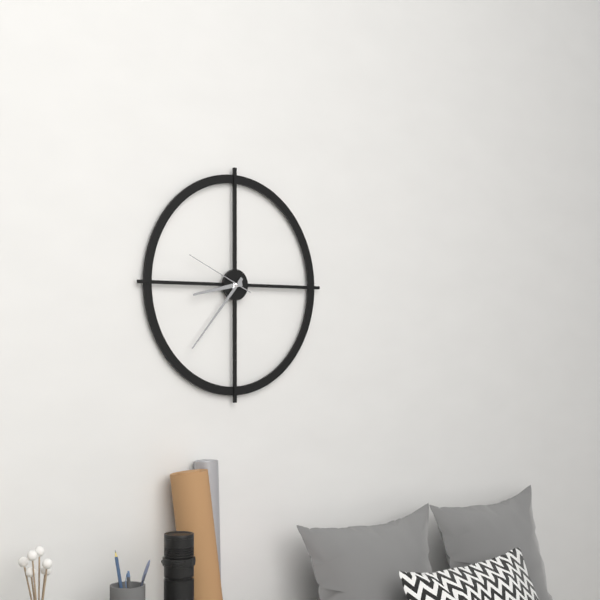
8:37:49
